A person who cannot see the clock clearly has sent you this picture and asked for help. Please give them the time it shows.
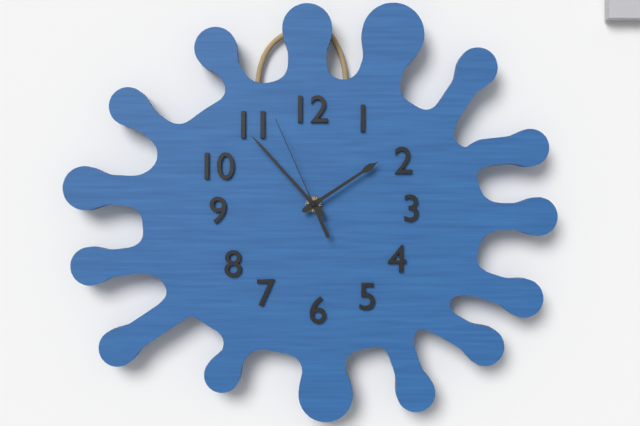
1:53:56
